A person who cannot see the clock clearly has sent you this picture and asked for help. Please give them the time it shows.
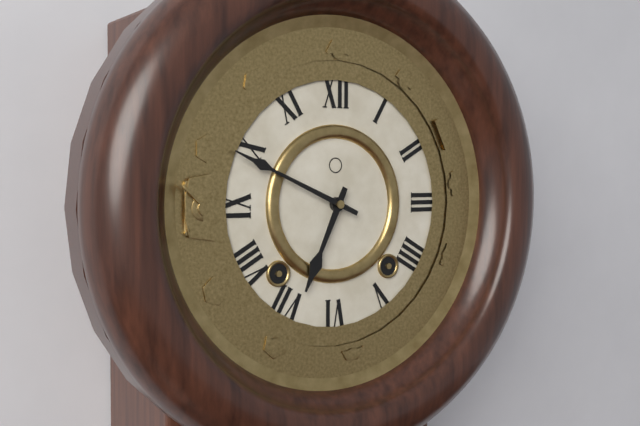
6:49
